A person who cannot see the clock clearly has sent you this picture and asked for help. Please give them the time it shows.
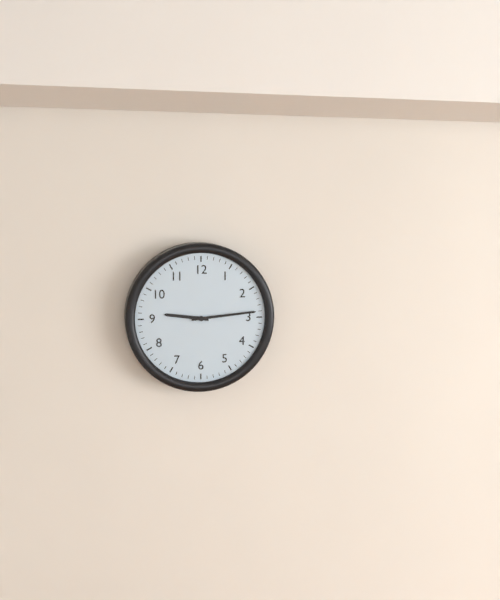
9:14
